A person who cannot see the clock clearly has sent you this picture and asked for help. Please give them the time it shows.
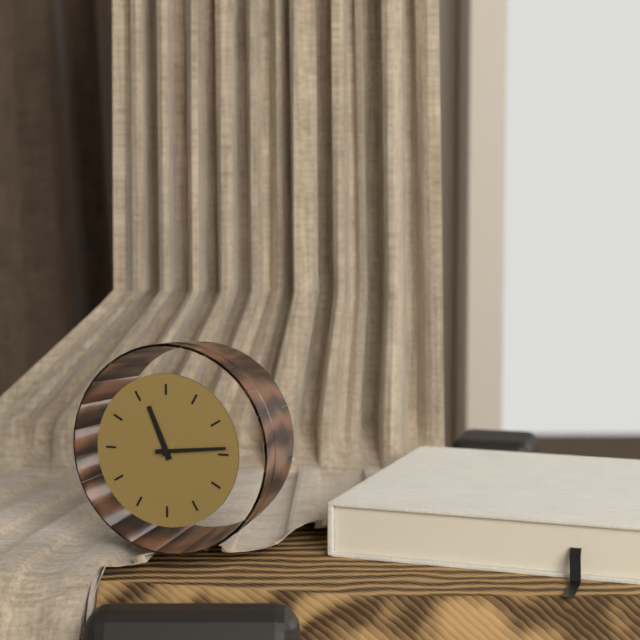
11:14
